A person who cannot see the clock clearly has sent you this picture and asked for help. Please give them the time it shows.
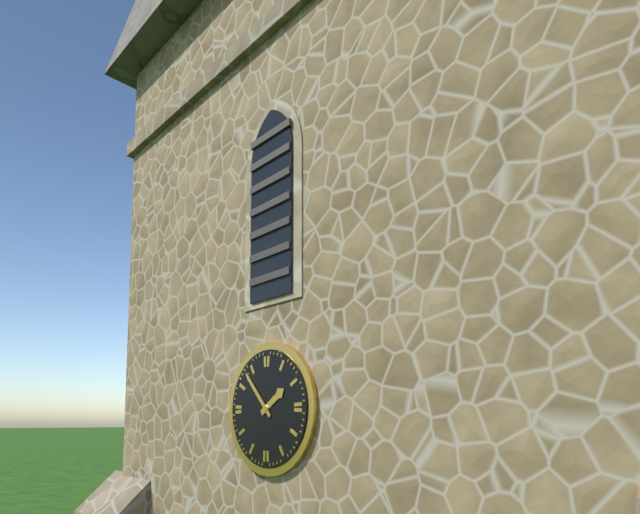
1:53
